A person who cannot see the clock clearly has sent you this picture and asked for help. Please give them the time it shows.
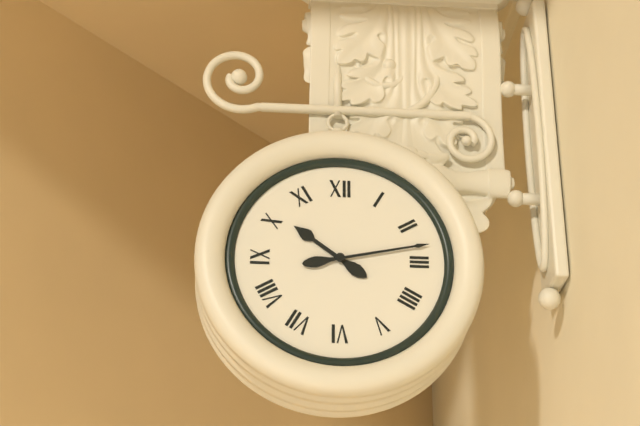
10:13
